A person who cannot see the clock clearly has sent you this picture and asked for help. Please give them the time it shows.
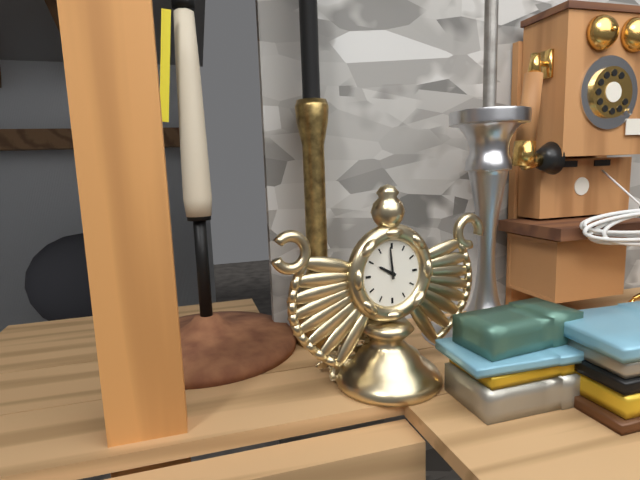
9:59
